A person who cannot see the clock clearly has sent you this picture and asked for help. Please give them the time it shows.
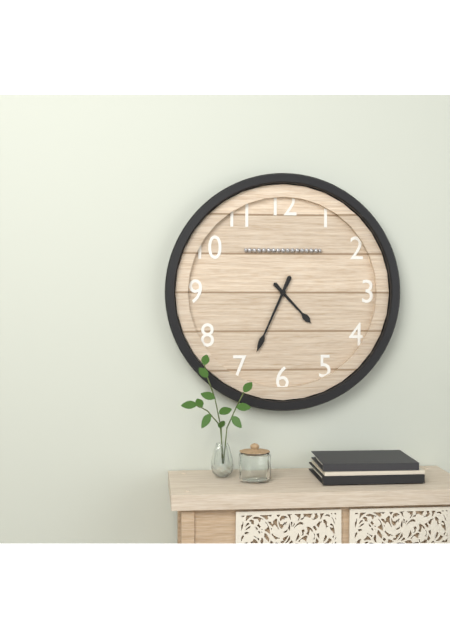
4:34
